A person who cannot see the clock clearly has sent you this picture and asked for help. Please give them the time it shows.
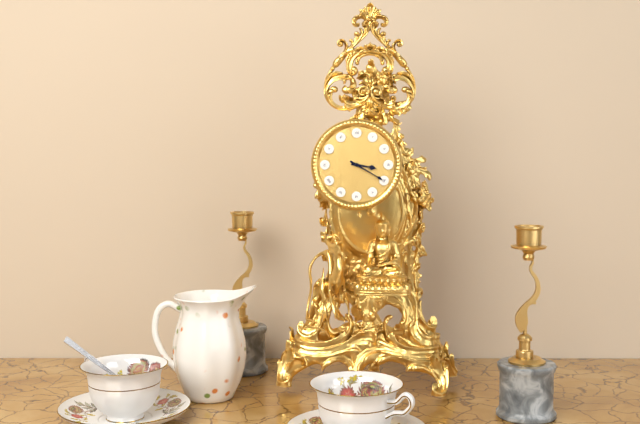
3:20
